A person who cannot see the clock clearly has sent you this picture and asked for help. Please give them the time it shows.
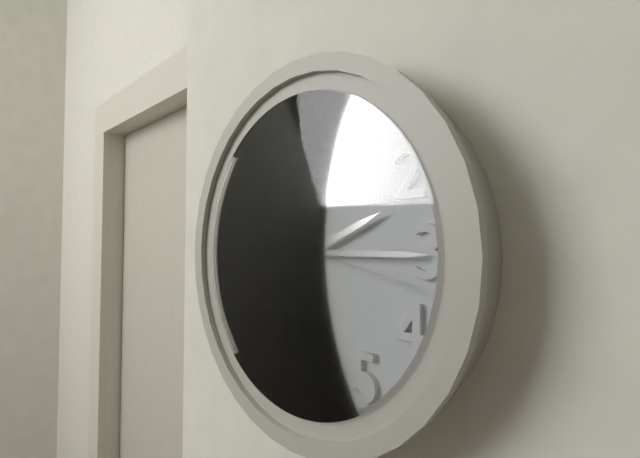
2:15:17
